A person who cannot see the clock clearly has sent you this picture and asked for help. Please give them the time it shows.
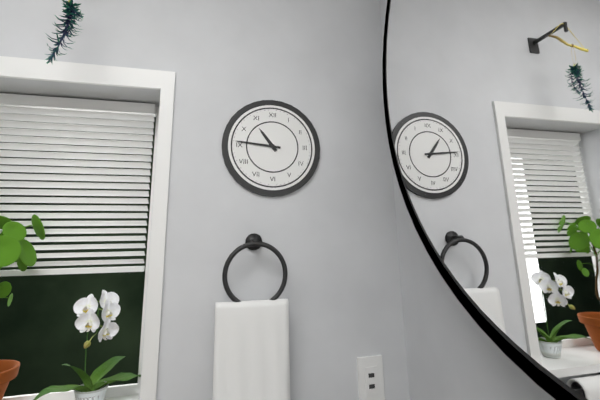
10:46
